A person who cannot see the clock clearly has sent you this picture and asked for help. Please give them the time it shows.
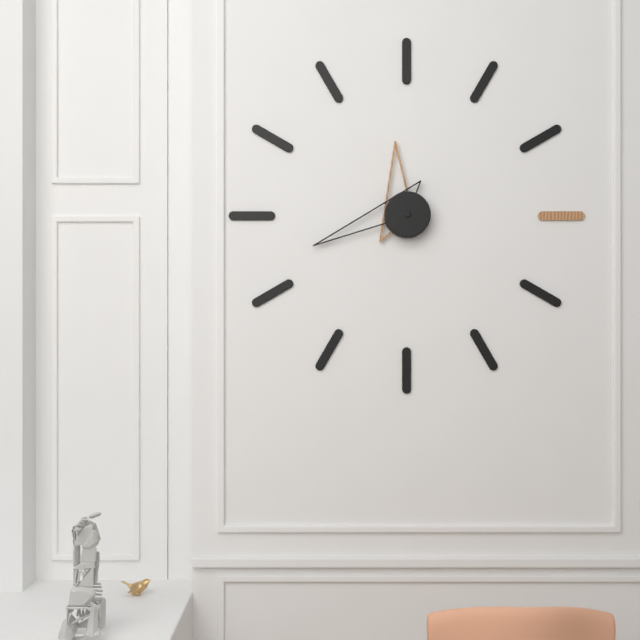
11:42
